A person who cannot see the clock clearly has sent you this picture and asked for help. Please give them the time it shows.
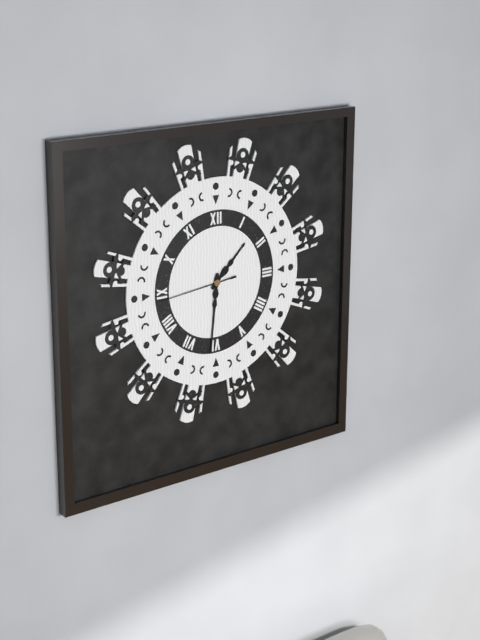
1:31:44
